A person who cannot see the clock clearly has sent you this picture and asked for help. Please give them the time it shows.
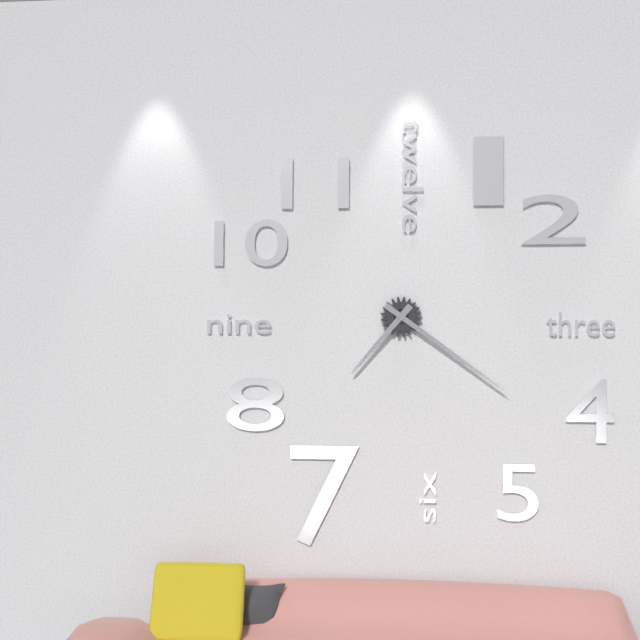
7:21
